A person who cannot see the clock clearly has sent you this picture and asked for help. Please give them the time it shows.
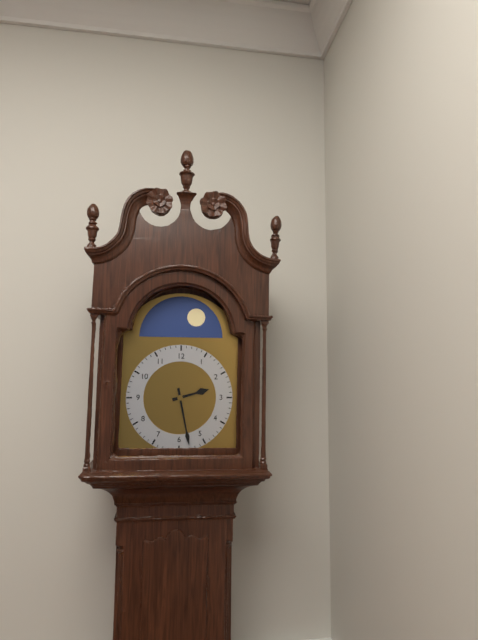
2:28
